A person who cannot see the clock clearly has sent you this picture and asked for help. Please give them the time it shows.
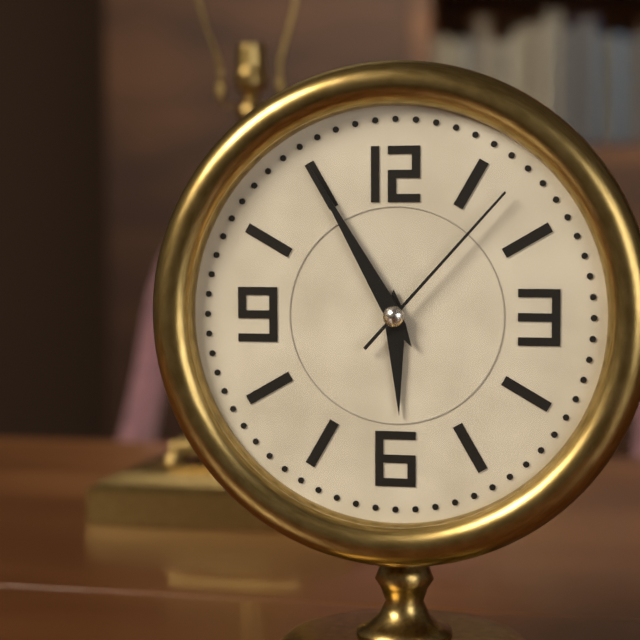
5:55:07
